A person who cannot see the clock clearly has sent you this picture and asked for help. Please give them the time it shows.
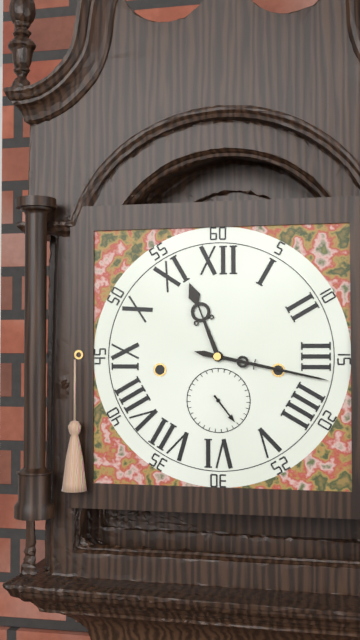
11:17
